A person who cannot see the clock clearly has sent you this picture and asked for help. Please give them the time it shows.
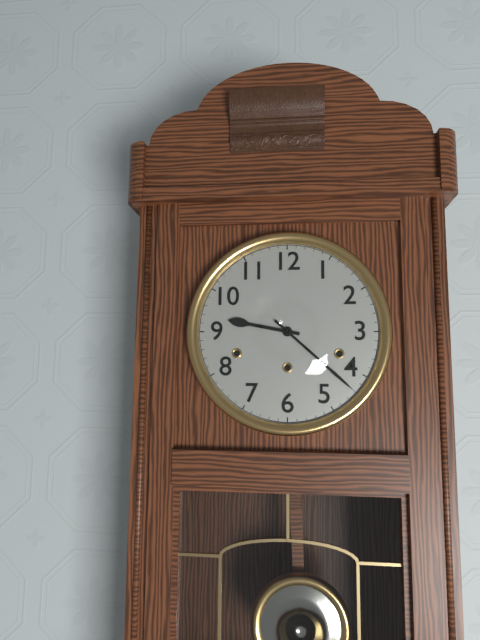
9:22
